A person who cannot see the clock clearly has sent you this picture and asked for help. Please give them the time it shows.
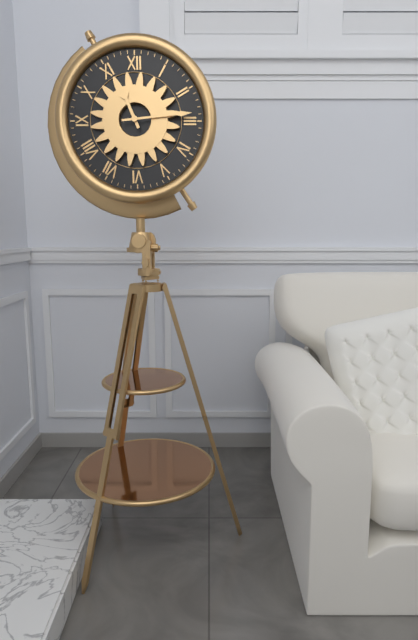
11:14
